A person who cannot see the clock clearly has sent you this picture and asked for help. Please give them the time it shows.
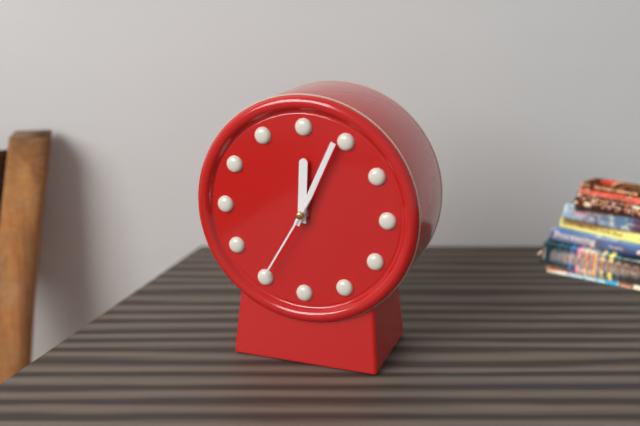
12:04:35
